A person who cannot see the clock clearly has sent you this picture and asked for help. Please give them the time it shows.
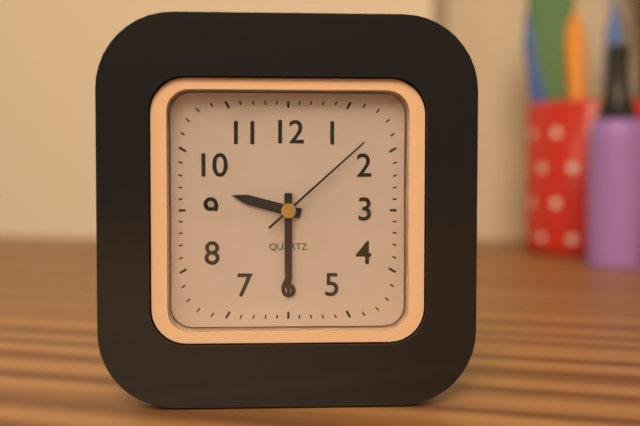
9:30:08
